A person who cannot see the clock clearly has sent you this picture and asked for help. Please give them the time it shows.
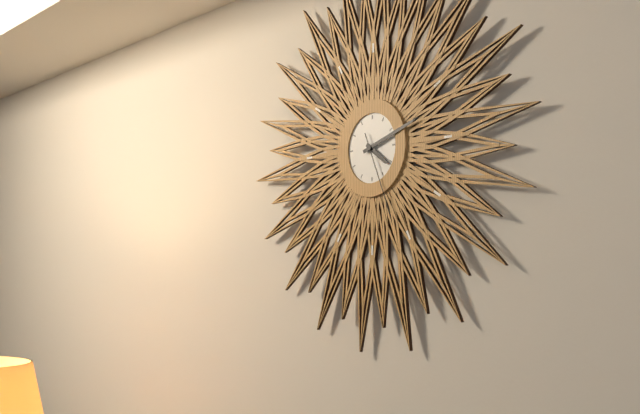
4:12:26
